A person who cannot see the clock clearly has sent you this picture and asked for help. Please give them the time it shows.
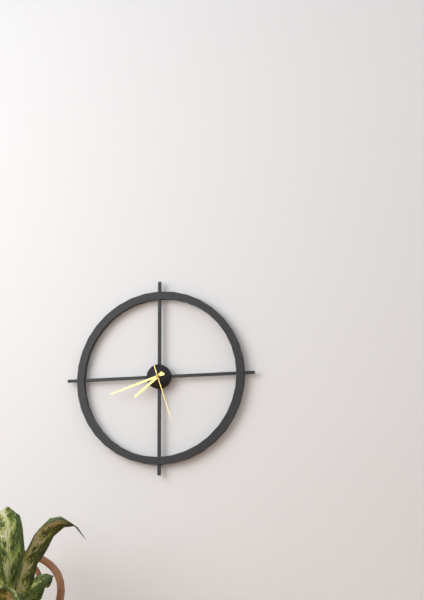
7:42:27
